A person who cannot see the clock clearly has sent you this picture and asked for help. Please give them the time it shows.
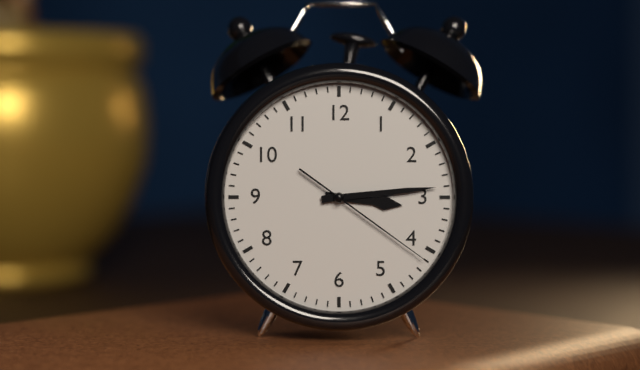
3:14:21
